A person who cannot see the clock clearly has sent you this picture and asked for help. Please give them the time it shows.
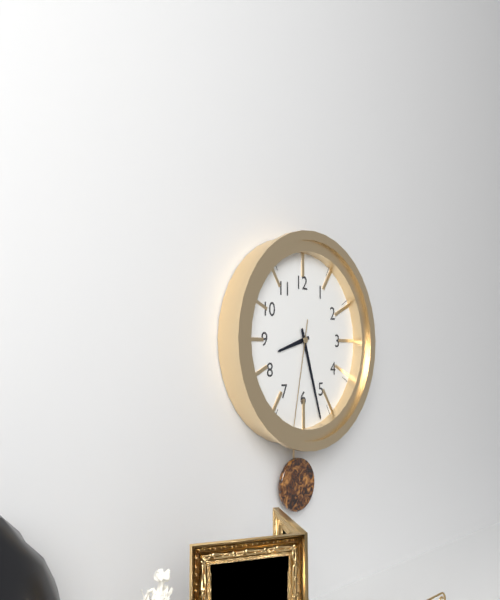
8:27:32
